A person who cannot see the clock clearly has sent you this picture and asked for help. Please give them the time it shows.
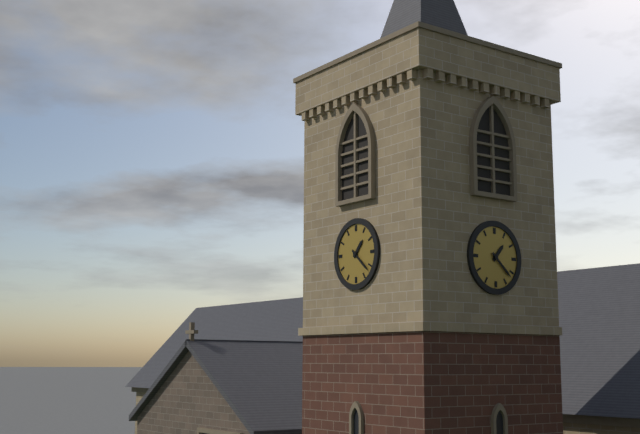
1:22
